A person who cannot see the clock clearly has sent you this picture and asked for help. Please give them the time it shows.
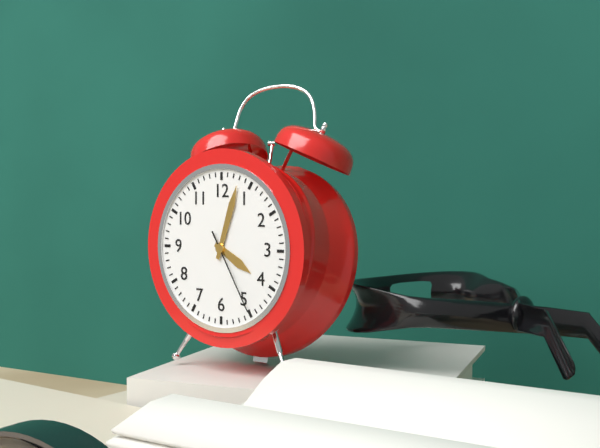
4:03:25
